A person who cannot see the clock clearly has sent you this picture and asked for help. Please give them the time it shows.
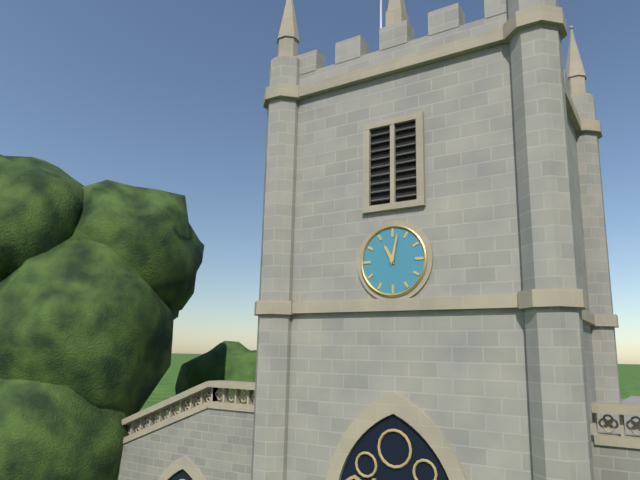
11:02
